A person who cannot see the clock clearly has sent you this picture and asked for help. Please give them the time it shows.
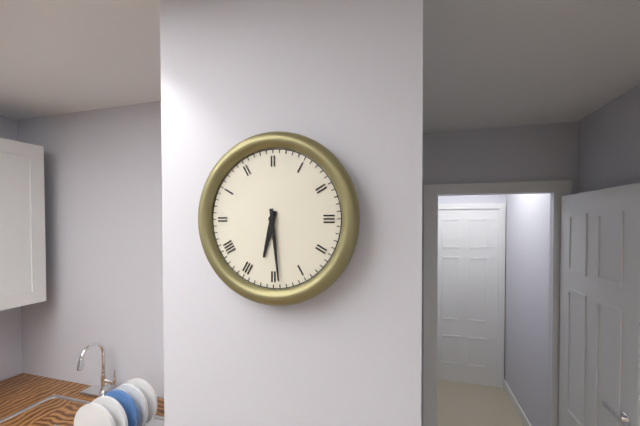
6:29
